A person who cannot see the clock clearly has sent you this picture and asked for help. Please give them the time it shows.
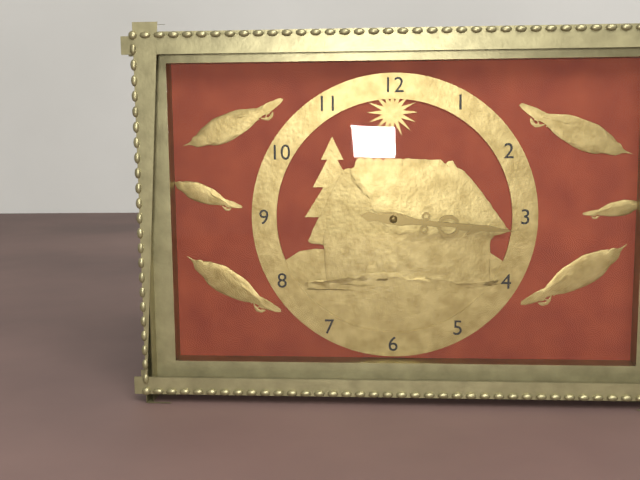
3:16
